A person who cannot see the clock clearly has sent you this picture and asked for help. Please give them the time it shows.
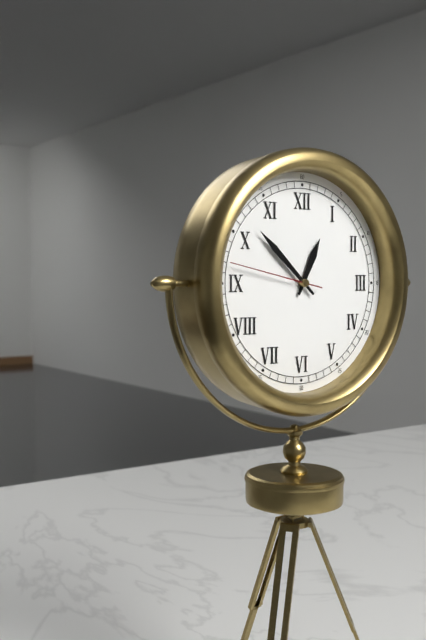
12:52:47
